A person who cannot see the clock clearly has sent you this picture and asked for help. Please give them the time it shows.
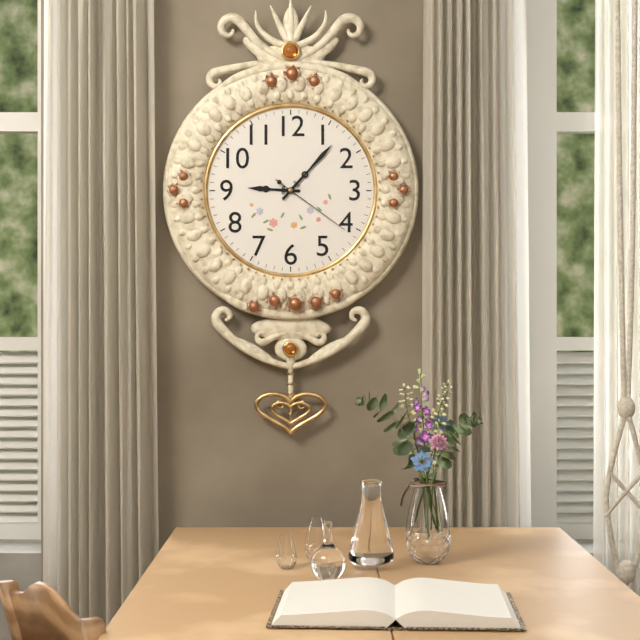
9:07:21
